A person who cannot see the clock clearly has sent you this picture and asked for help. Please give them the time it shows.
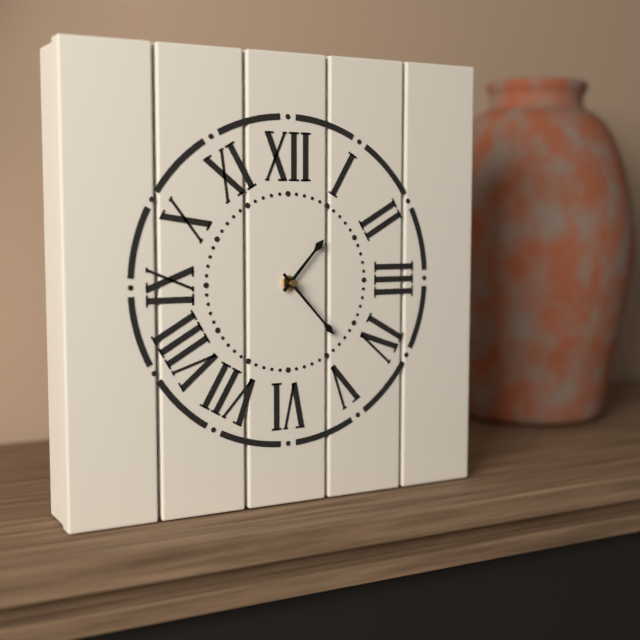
1:23
